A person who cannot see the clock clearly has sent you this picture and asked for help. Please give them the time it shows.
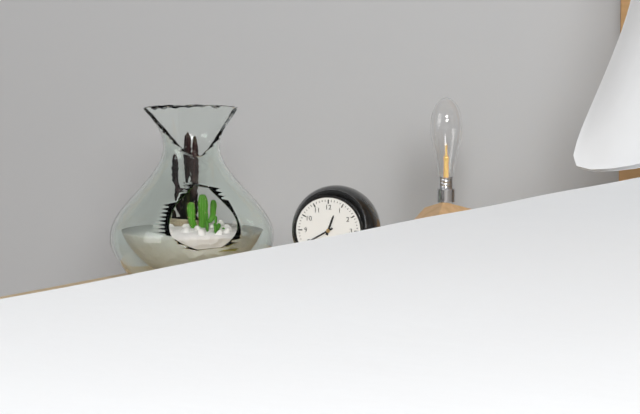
12:40
